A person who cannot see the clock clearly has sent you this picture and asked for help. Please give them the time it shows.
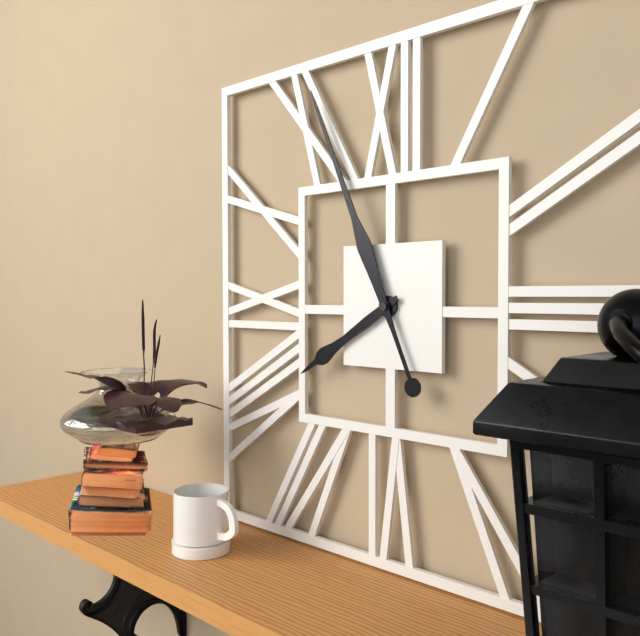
7:56
